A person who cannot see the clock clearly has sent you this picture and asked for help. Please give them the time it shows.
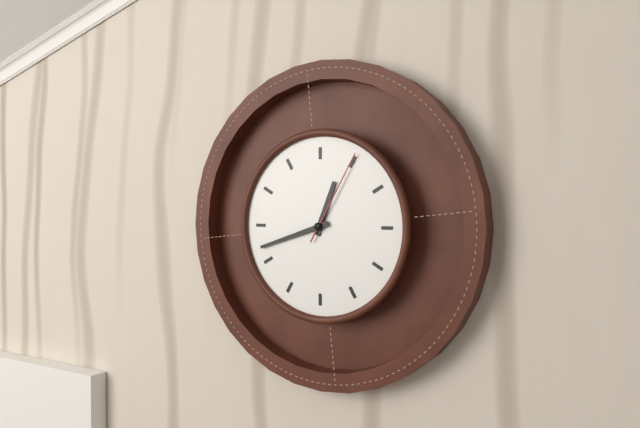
12:42:05
